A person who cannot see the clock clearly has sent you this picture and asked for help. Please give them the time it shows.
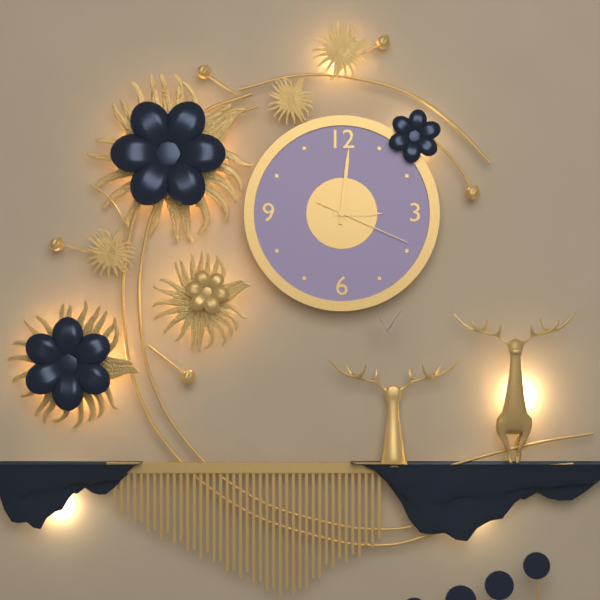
3:01:19
